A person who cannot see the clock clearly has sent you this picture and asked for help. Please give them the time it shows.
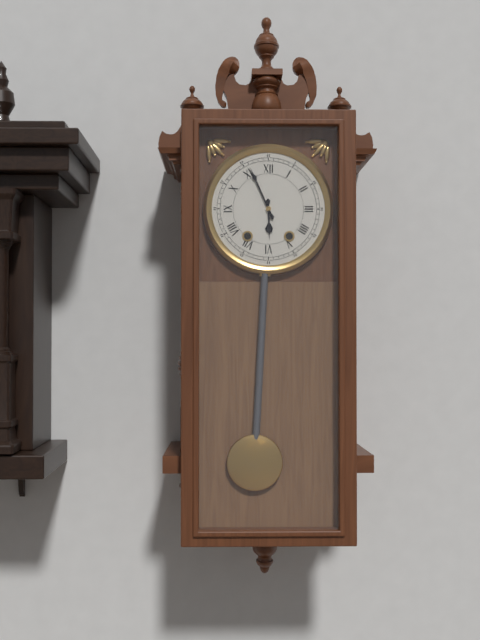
5:56
